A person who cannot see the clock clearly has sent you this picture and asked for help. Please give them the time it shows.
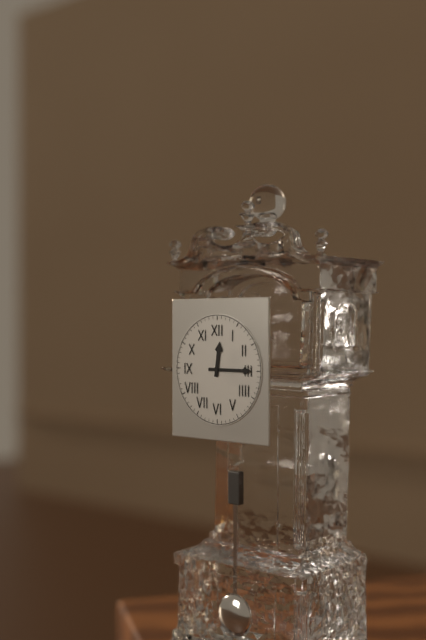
12:15
